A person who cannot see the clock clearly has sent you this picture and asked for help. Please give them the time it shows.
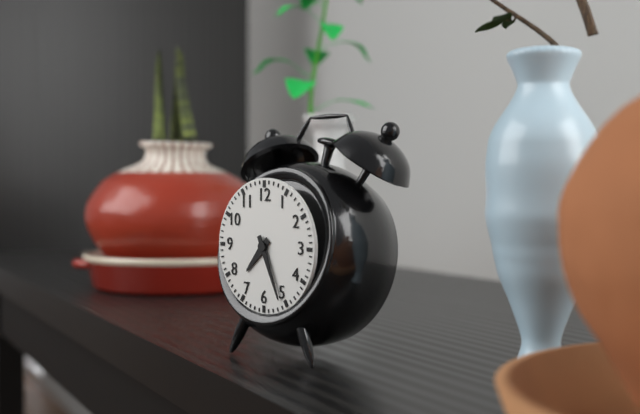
7:26
